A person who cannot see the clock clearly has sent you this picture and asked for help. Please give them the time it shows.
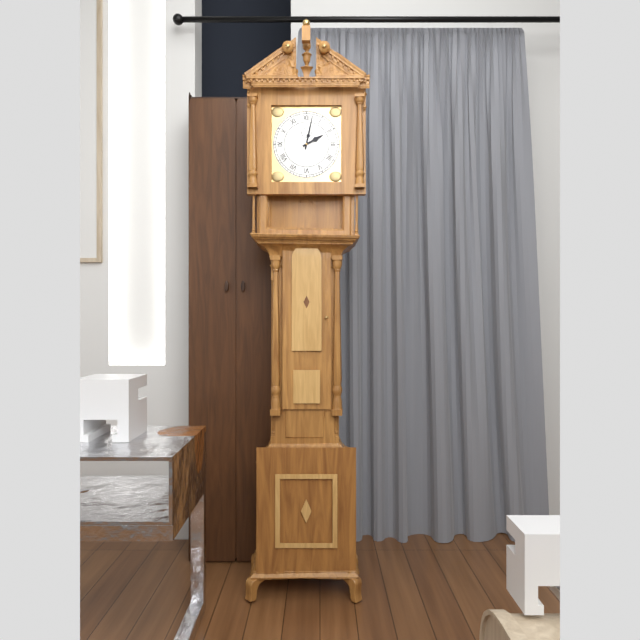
2:02
